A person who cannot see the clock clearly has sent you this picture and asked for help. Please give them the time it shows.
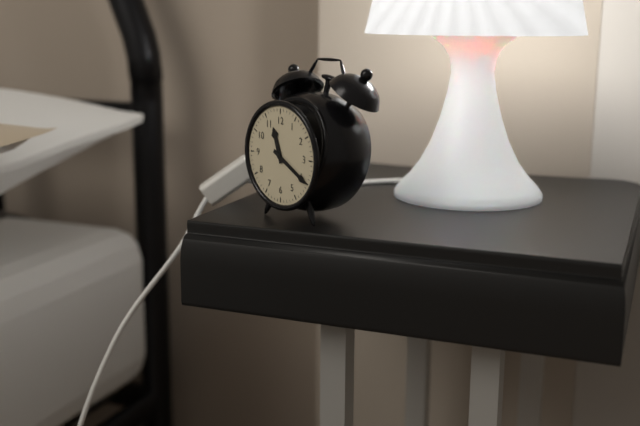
11:20
